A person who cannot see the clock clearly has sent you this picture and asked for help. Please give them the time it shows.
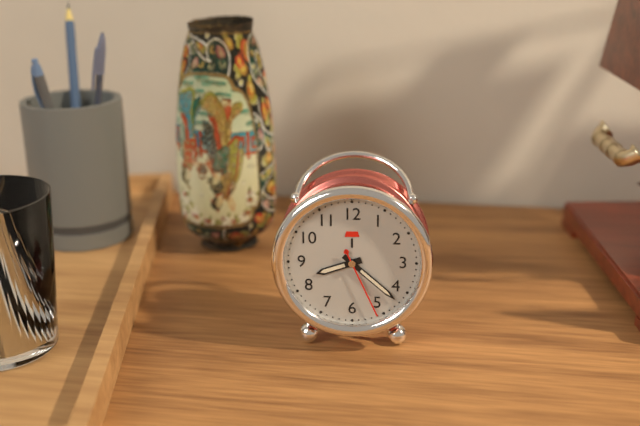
8:22:26
